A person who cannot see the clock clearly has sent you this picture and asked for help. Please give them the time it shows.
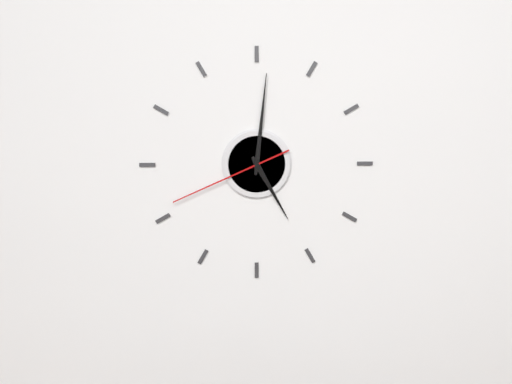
5:01:41
